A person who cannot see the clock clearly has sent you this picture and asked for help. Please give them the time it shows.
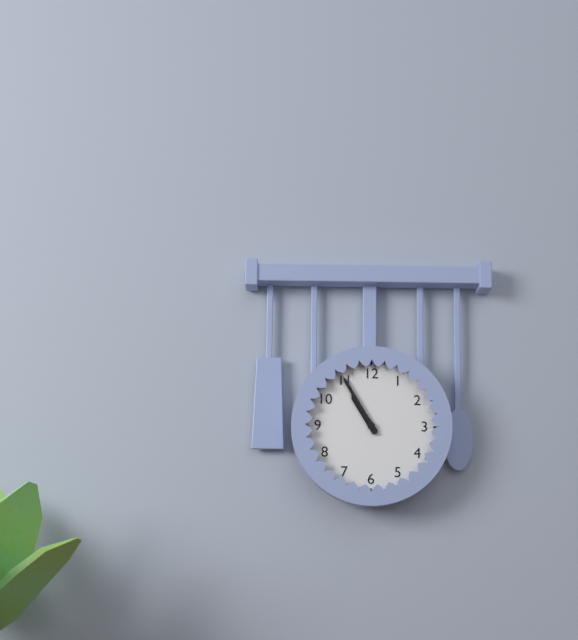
10:55
